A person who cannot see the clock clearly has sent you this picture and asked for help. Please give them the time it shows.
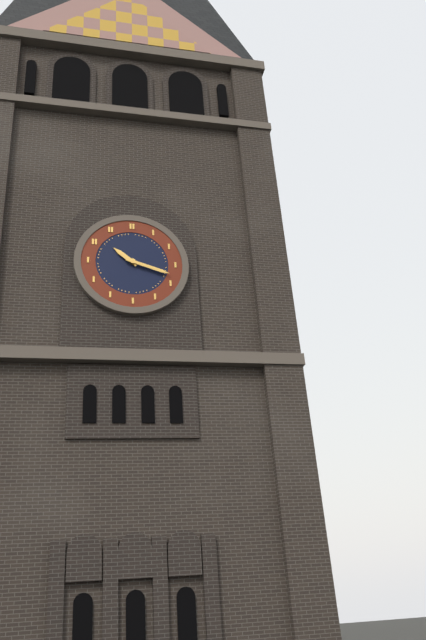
10:18
